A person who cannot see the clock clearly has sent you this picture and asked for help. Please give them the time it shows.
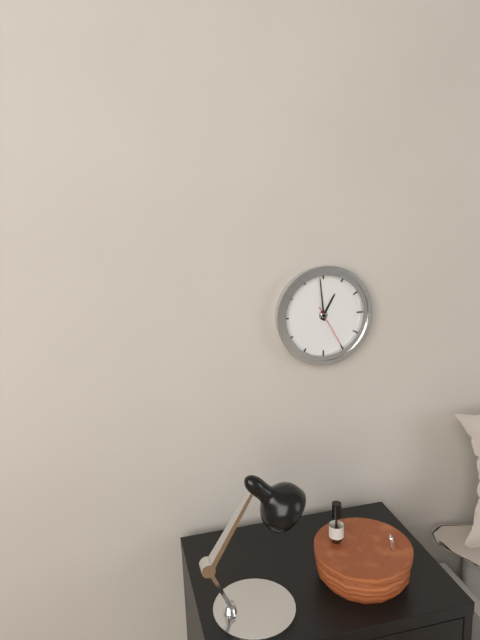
12:59
